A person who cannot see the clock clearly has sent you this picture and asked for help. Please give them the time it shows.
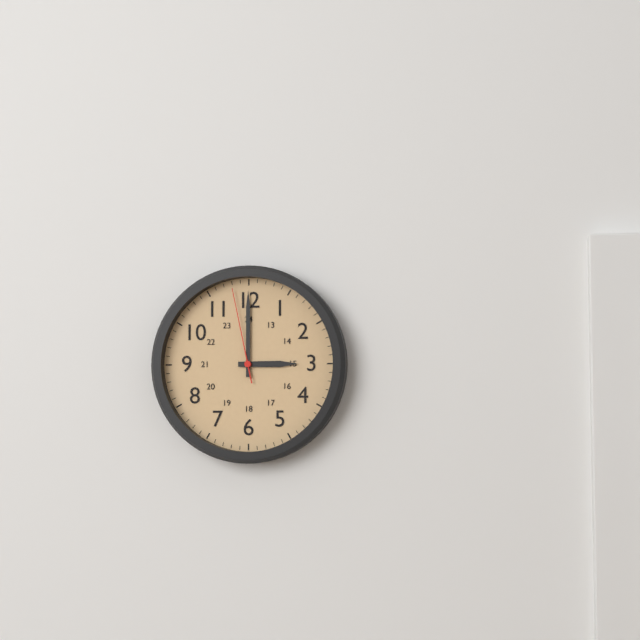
3:00:58
